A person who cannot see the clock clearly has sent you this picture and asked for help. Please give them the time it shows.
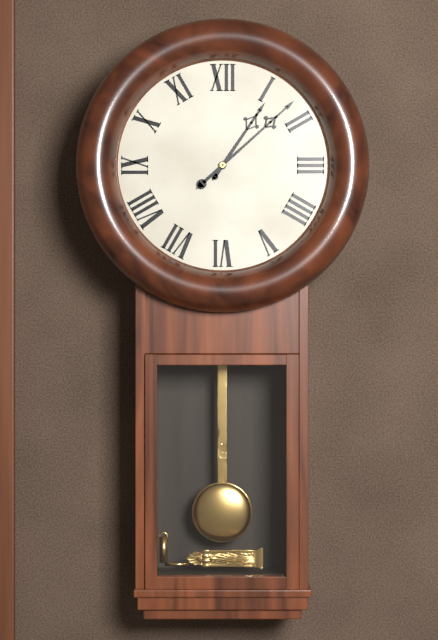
1:08
